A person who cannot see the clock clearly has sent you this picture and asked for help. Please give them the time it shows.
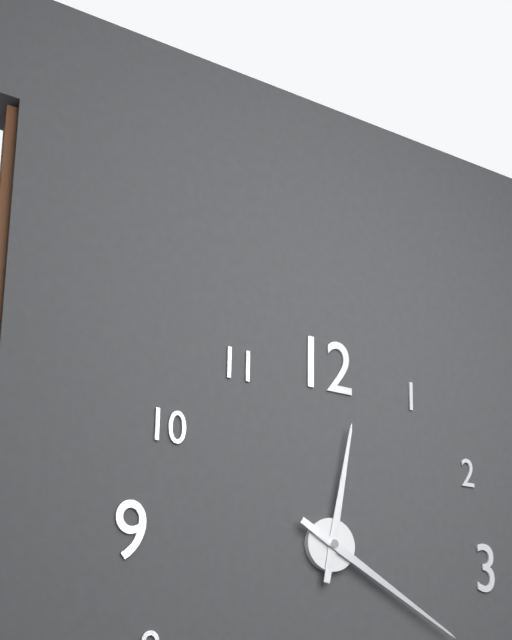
12:20
